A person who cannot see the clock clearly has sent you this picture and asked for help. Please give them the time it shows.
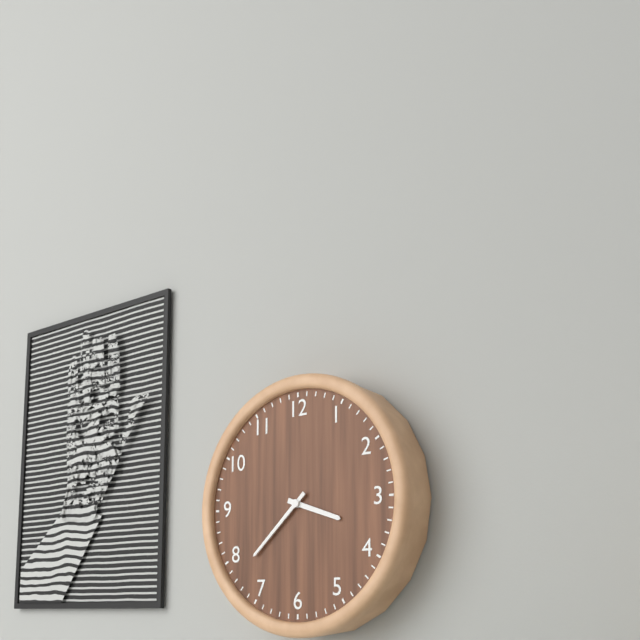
3:38
